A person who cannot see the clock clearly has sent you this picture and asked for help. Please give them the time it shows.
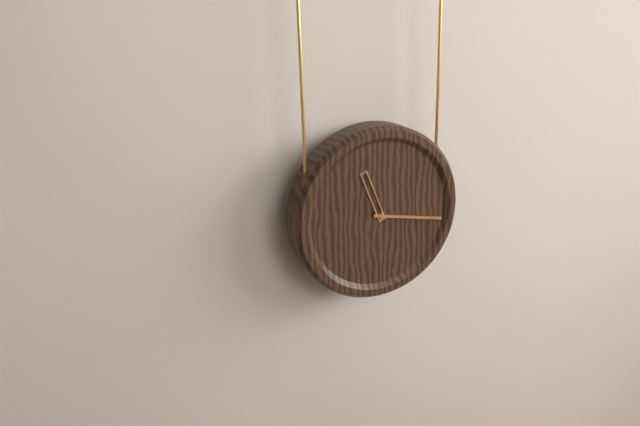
11:17
